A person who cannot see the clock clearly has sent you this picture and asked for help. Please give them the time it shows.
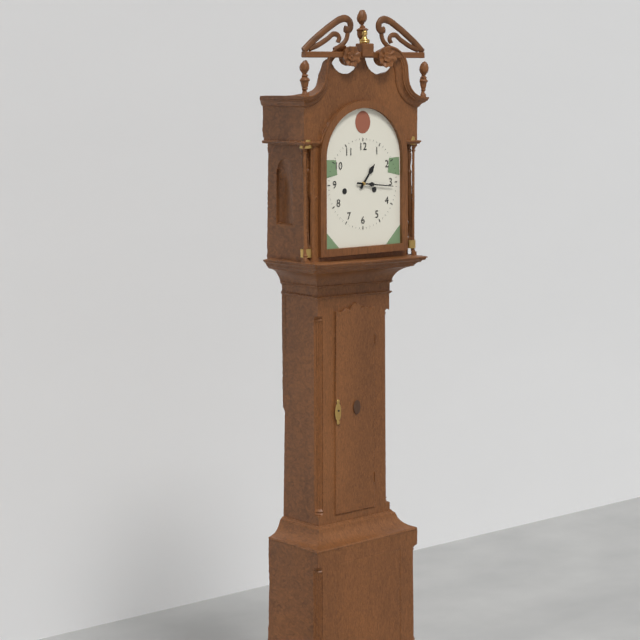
1:16
